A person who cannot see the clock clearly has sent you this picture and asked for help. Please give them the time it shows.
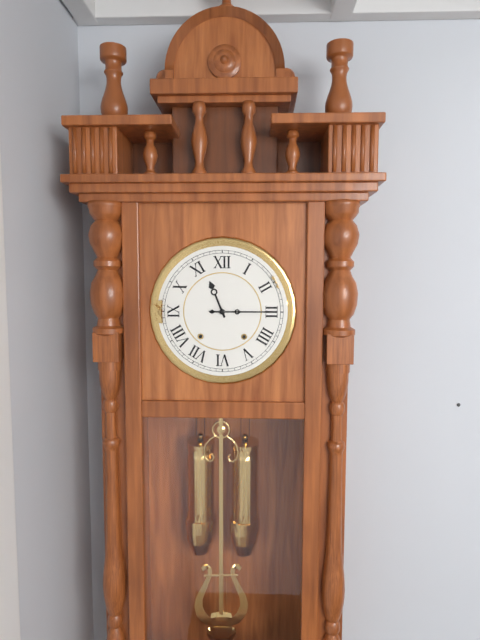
11:15
